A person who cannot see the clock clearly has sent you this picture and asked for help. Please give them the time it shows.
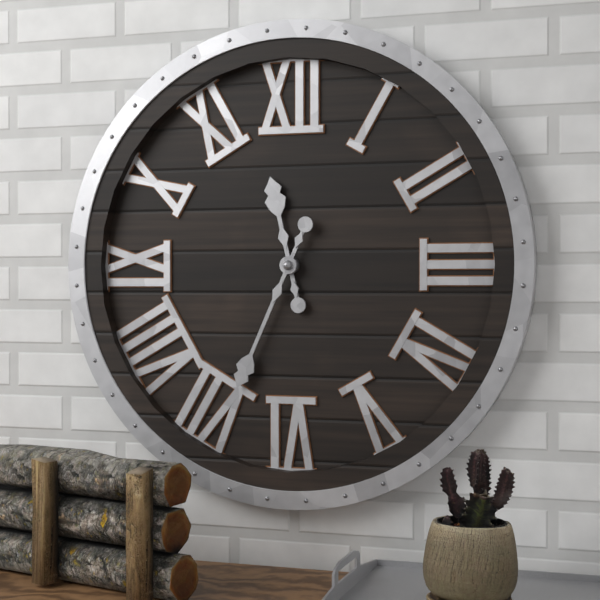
11:34
